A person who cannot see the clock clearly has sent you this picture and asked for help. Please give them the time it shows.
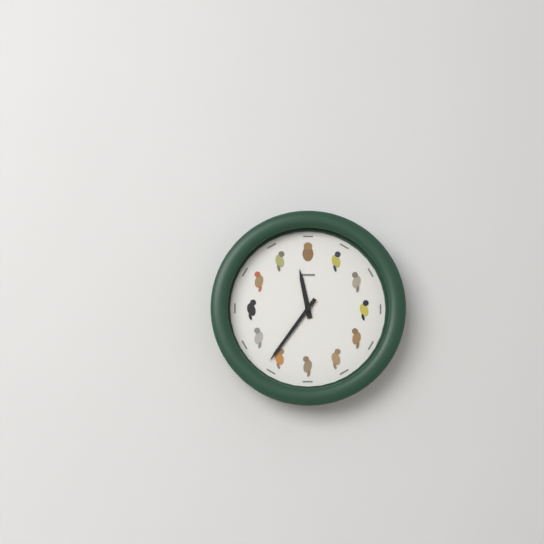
11:36
